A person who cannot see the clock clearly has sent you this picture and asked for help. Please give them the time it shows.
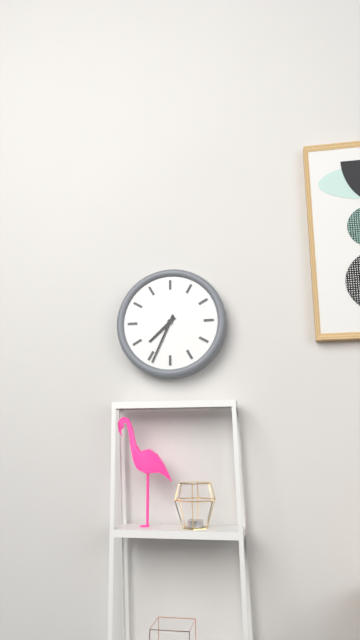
7:34
